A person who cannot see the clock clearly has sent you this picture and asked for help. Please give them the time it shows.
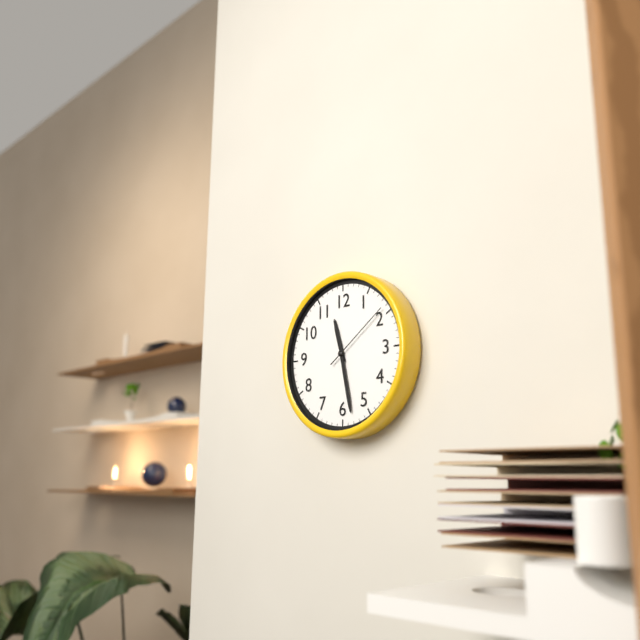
11:28:09
